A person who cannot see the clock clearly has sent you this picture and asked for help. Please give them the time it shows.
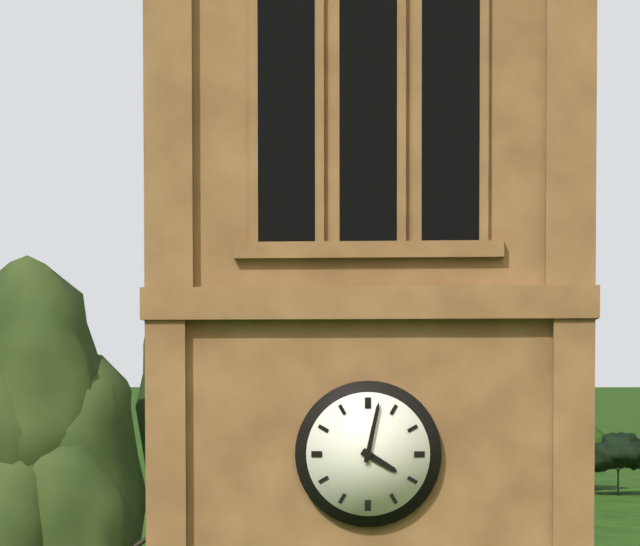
4:02
